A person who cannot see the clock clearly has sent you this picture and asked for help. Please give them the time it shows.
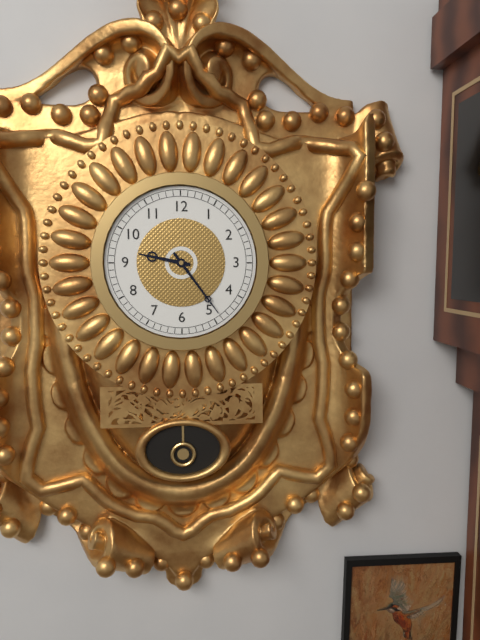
9:24
